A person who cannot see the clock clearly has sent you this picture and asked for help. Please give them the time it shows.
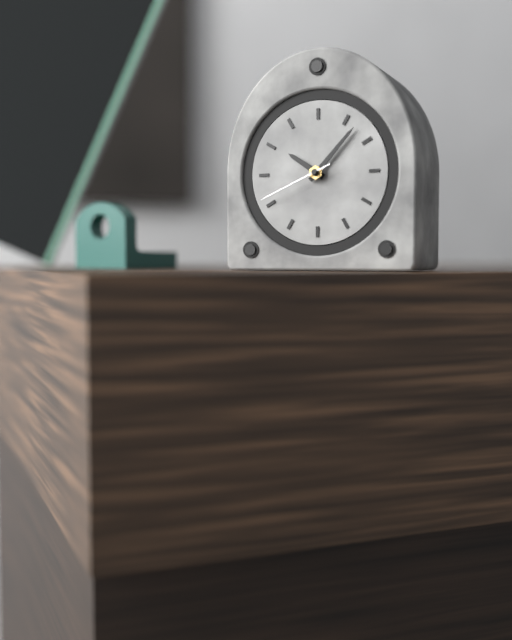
10:07:41
